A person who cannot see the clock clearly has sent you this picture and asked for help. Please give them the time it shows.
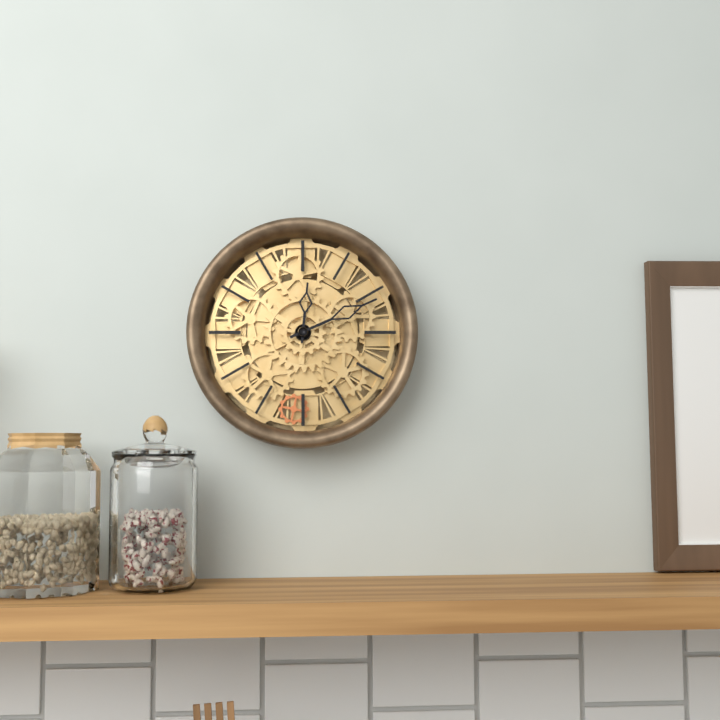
12:11
